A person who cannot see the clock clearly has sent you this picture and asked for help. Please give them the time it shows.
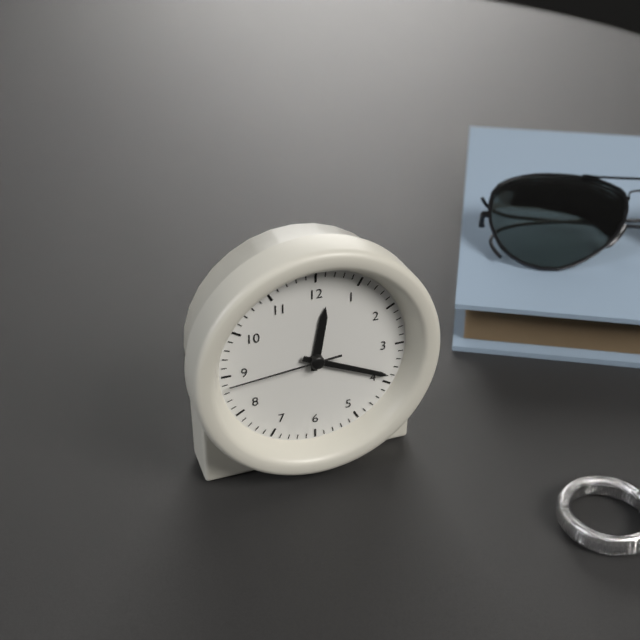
12:19:44
